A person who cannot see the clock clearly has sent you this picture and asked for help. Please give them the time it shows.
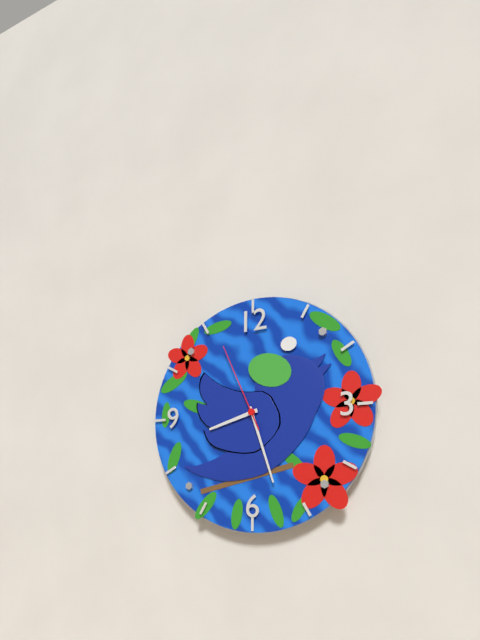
8:27:56
